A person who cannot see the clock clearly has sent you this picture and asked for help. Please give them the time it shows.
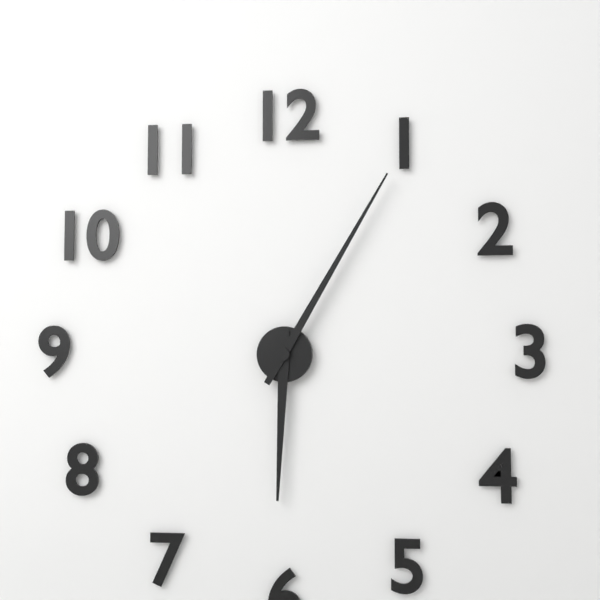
6:05
